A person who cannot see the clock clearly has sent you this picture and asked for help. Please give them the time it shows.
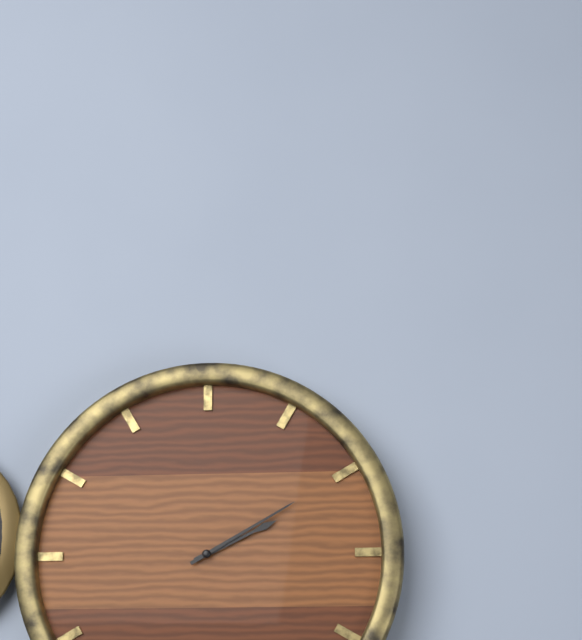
2:10
